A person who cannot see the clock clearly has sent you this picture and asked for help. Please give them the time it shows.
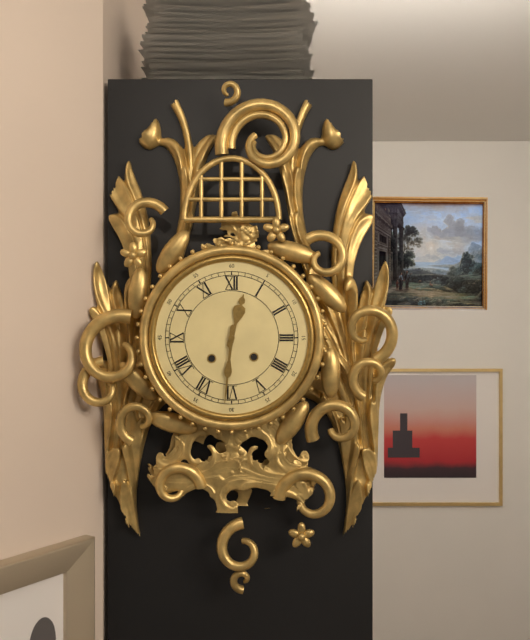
12:31
